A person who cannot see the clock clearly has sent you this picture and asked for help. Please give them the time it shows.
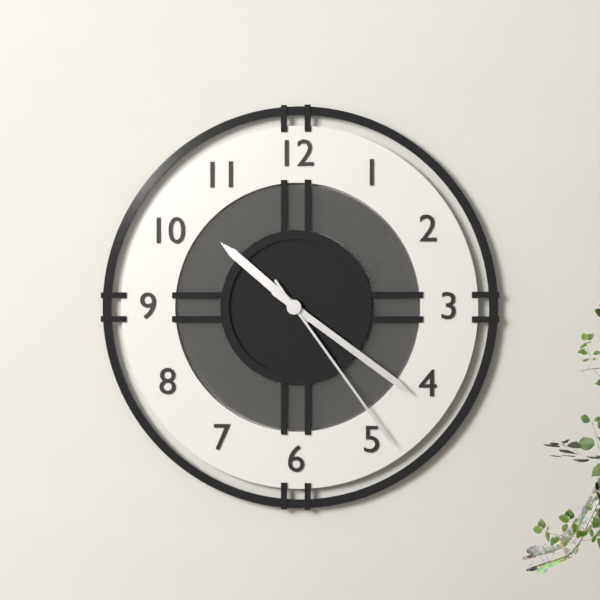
10:21:24
